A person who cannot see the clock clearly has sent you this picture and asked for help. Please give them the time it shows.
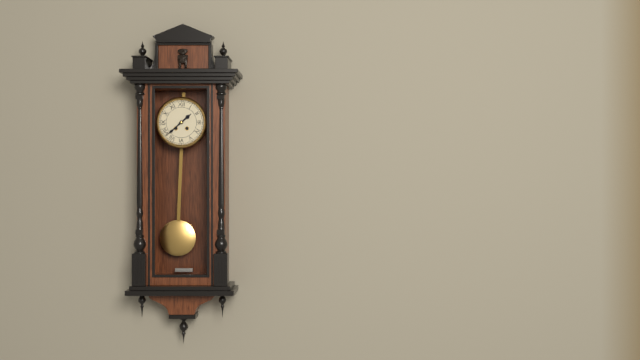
1:38
